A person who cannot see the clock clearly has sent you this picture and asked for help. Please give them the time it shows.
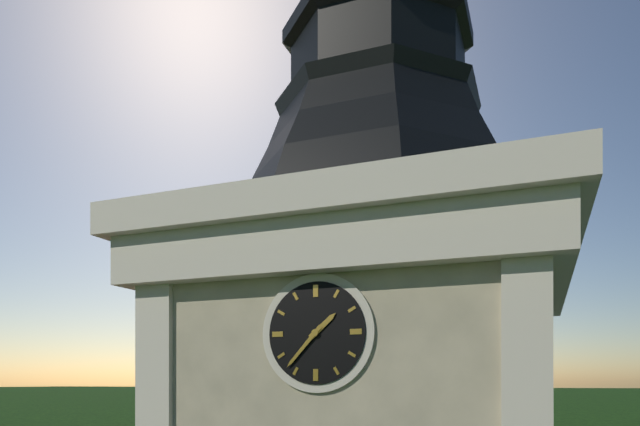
1:37
